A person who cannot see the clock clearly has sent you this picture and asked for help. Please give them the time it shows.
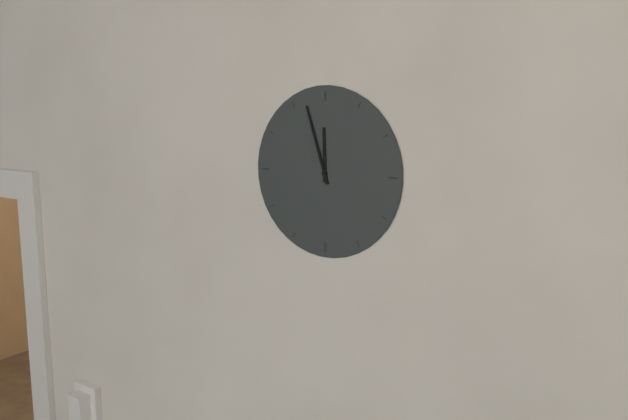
11:57
